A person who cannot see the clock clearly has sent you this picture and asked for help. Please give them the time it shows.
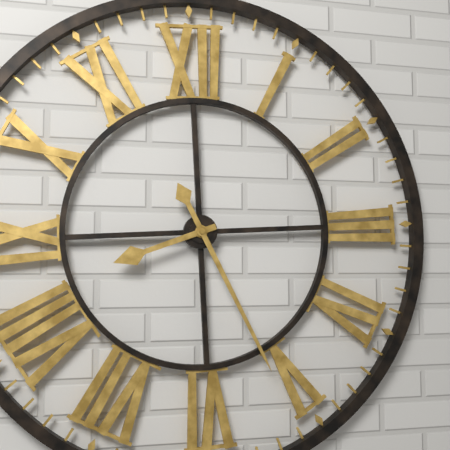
8:26
